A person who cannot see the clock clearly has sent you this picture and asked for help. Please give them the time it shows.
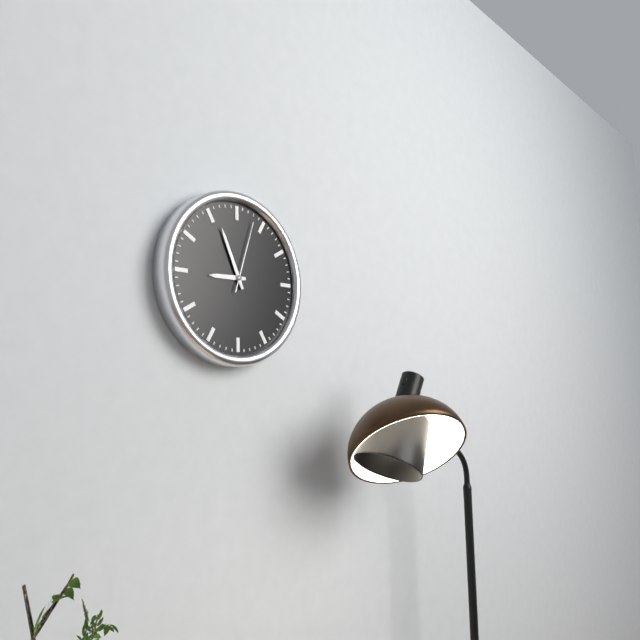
8:56:03
